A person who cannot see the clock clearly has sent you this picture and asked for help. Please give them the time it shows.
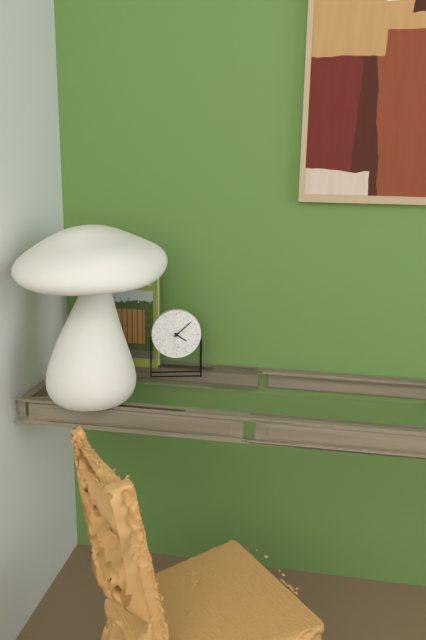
4:08
